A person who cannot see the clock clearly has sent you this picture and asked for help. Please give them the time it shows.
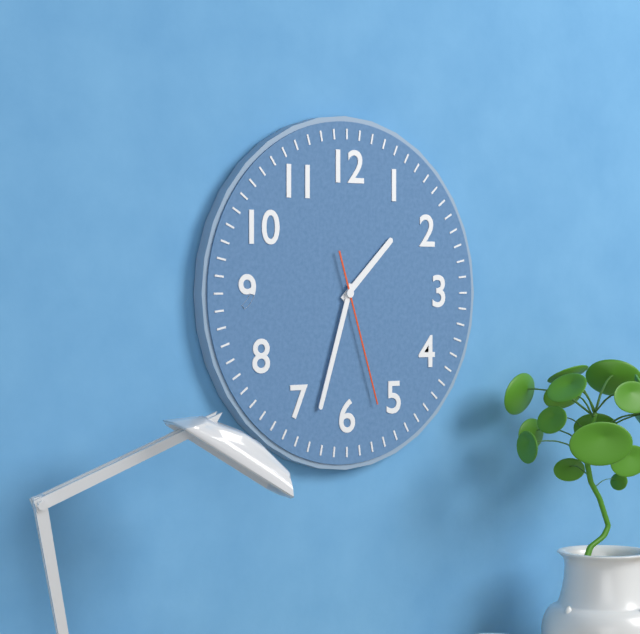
1:33:27
